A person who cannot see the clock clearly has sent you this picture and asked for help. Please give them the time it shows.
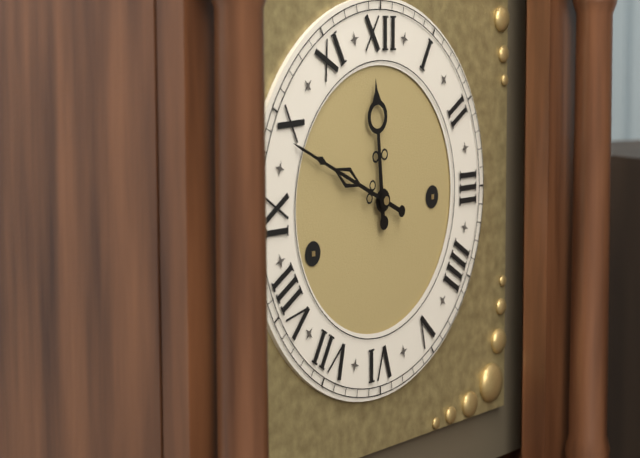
11:49
